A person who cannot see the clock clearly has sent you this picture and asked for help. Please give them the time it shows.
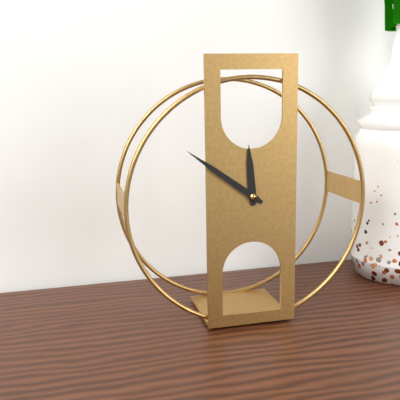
11:51
